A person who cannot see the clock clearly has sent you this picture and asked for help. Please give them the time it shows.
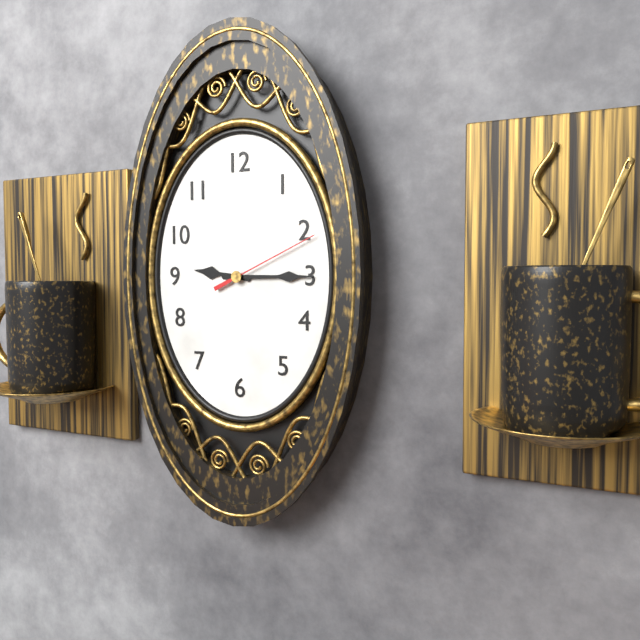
9:15:11
